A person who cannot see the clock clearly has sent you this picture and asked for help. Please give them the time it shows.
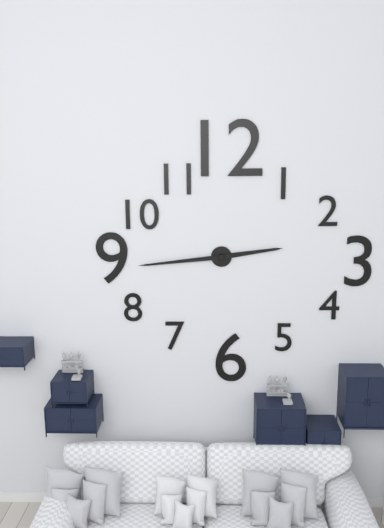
2:44
